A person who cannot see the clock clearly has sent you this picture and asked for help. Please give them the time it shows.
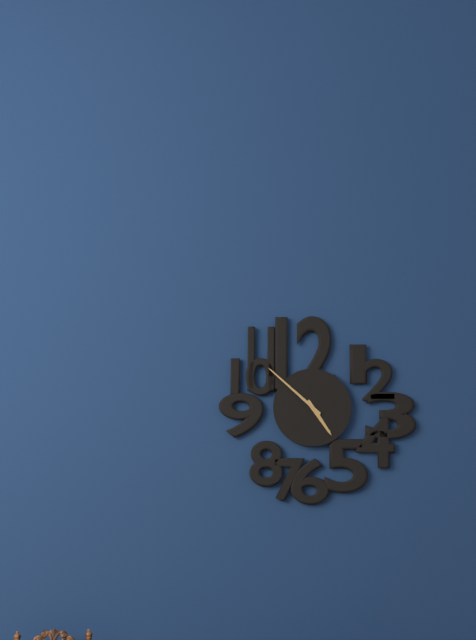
4:52
